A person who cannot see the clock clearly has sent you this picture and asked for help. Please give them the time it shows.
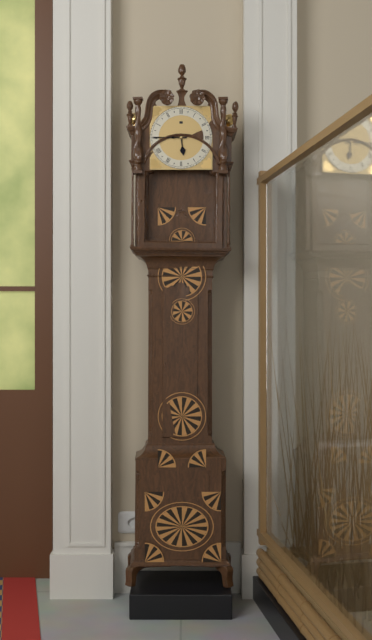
5:45
